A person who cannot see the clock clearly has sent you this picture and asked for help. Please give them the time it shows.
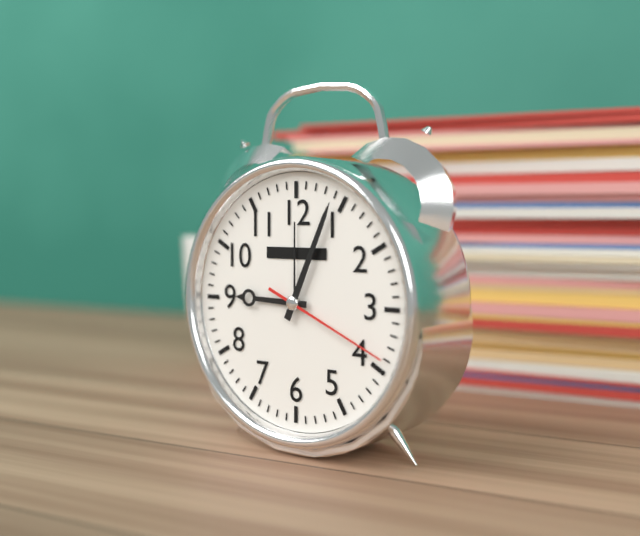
9:04:19
